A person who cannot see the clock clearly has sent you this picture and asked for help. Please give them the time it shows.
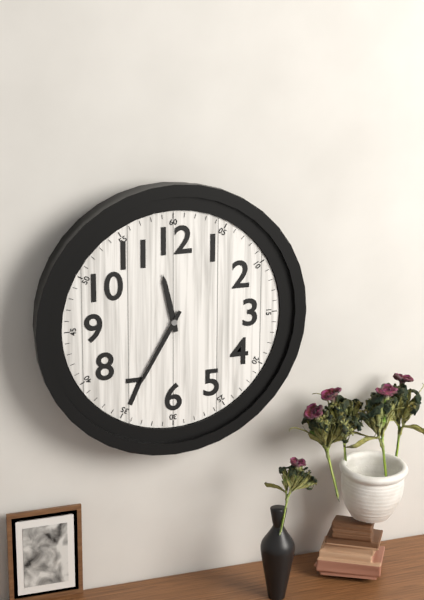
11:35
